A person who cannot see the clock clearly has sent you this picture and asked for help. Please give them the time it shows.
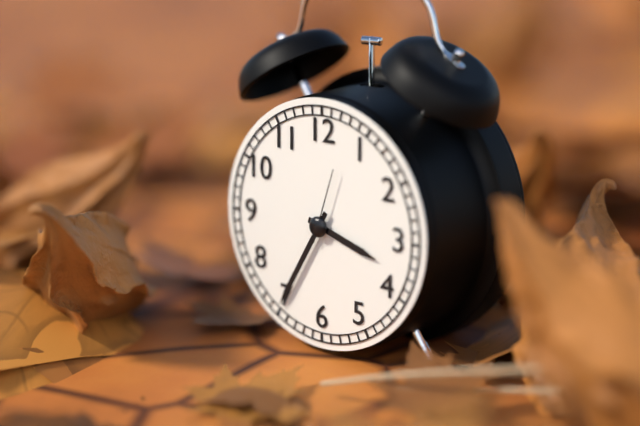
3:35:03
